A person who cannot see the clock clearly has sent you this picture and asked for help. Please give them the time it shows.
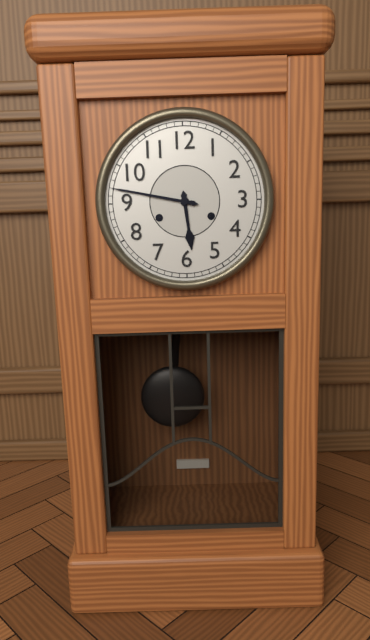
5:47
